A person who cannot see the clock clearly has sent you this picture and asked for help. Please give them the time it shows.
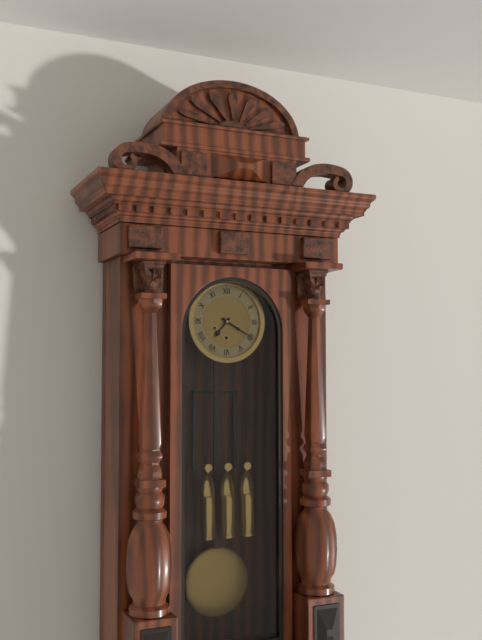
7:20
